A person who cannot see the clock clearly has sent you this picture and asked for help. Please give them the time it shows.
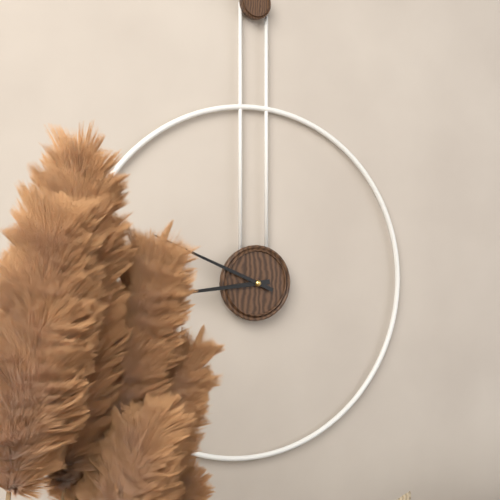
8:49
